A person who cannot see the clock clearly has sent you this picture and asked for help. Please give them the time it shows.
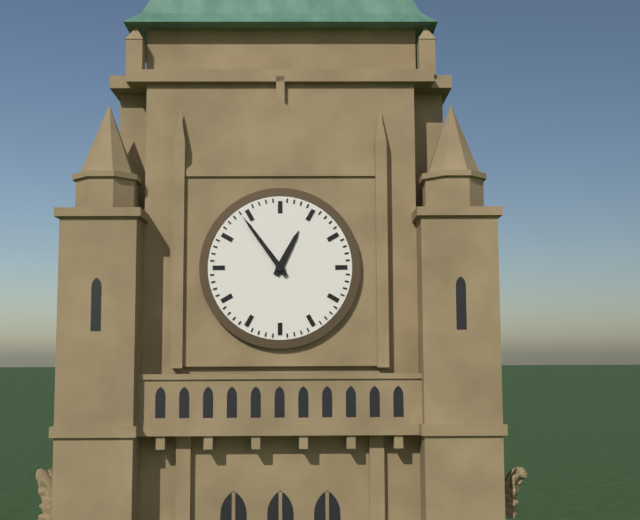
12:54
